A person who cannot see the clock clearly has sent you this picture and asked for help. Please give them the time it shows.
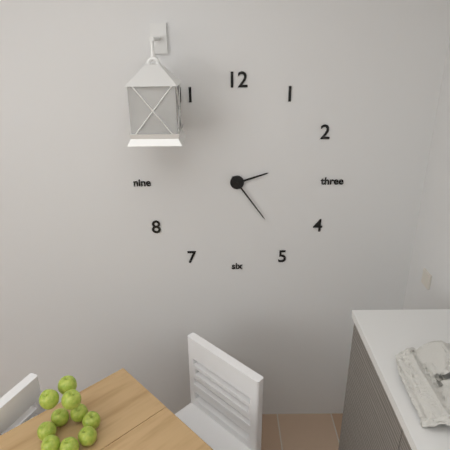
2:24
